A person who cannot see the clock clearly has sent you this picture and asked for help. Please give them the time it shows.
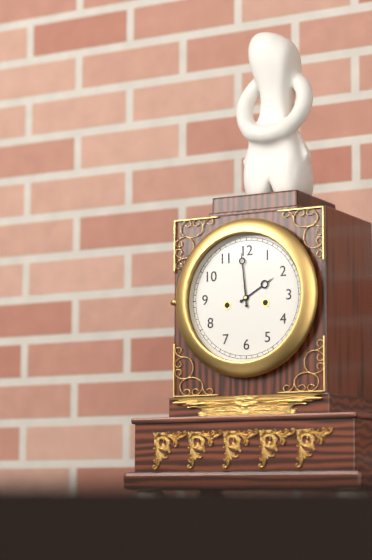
1:59
